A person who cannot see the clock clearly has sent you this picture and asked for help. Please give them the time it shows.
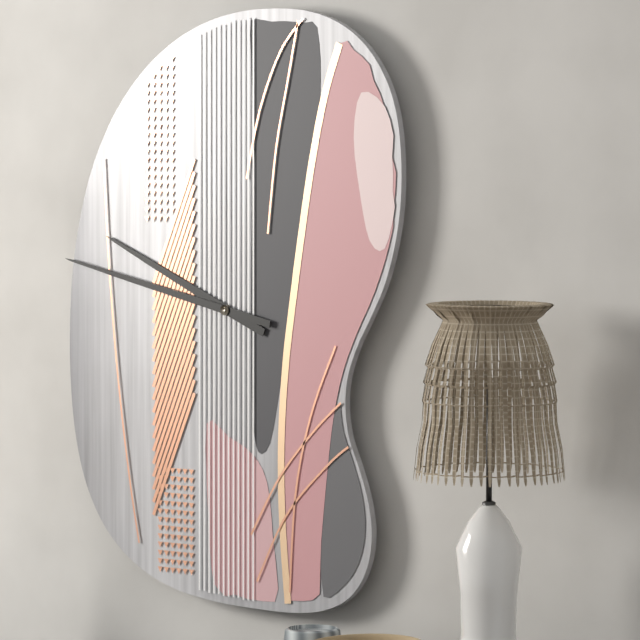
9:47
